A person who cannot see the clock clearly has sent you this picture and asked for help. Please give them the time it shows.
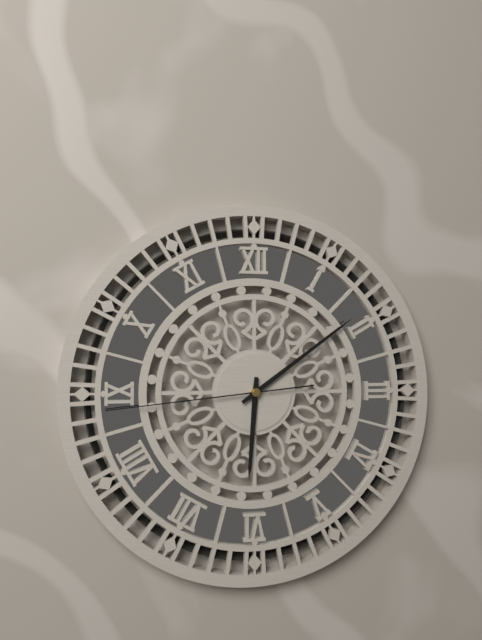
6:09:44
